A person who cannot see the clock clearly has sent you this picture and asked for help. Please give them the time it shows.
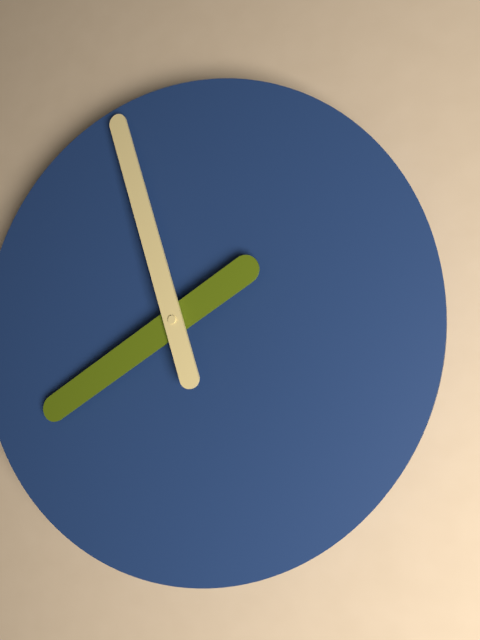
7:57
